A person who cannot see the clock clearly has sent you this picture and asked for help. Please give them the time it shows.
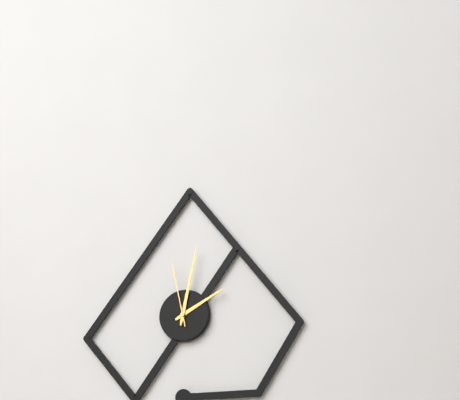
2:02:58
